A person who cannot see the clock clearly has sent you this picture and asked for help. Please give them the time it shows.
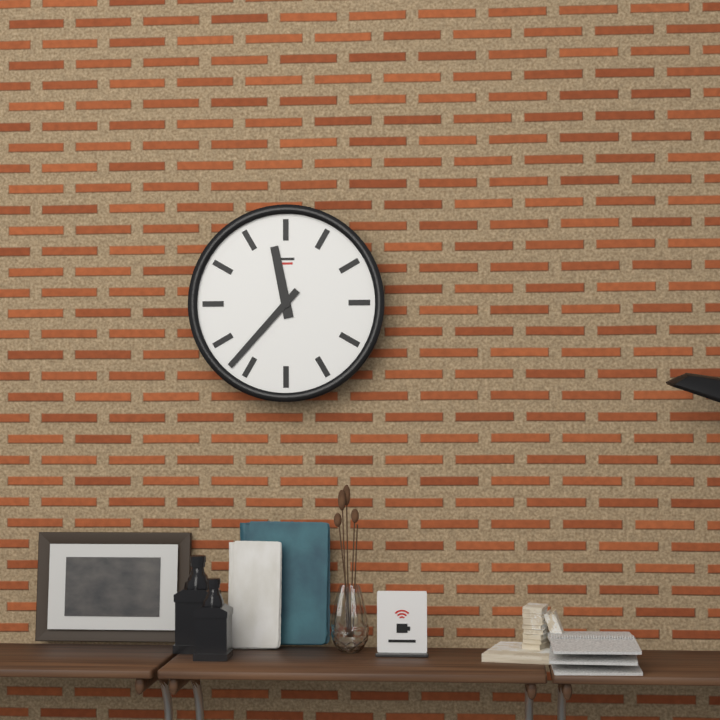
11:37
